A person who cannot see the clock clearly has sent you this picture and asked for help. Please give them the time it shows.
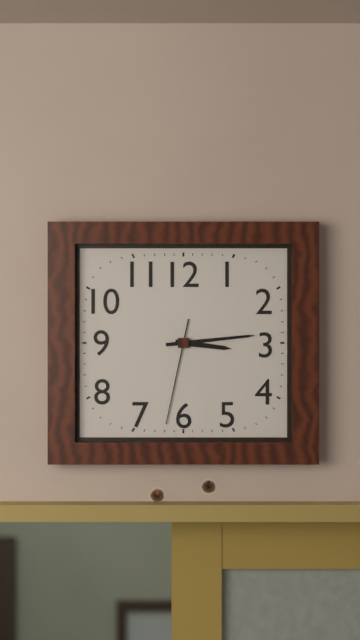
3:14:32
